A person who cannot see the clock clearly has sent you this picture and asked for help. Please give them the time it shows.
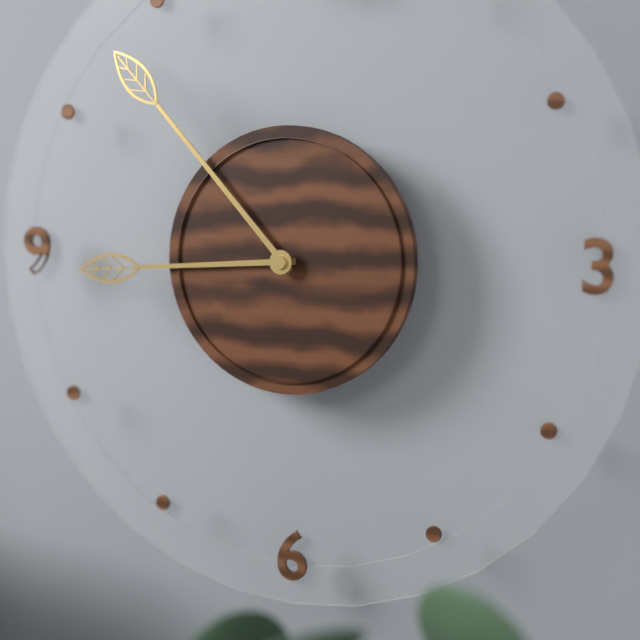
8:53
